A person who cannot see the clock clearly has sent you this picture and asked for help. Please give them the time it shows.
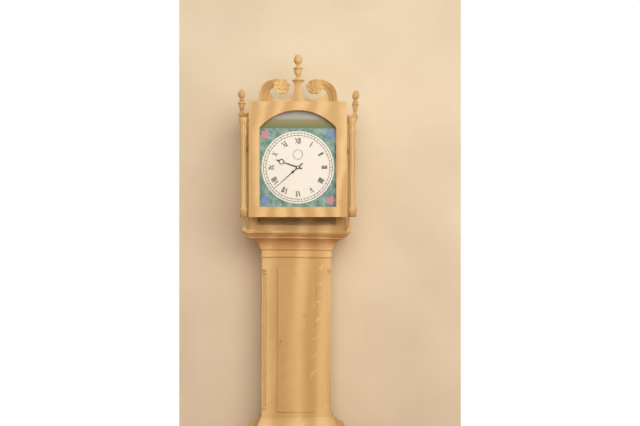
9:38
